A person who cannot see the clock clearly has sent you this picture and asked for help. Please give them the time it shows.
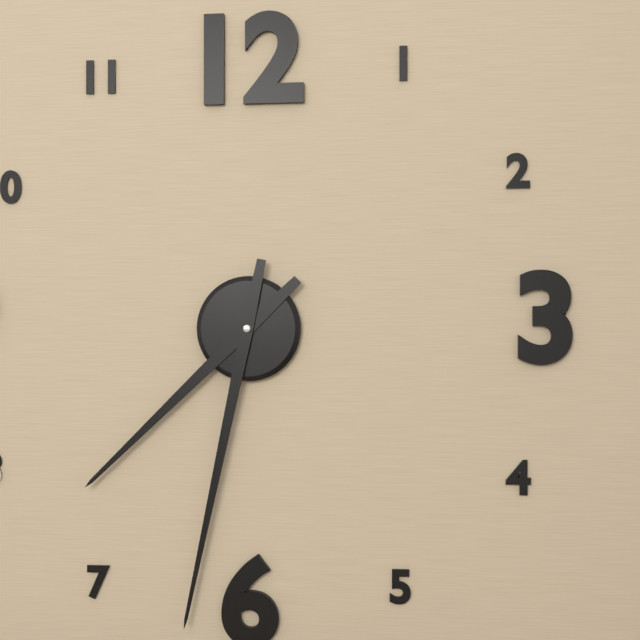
7:32
